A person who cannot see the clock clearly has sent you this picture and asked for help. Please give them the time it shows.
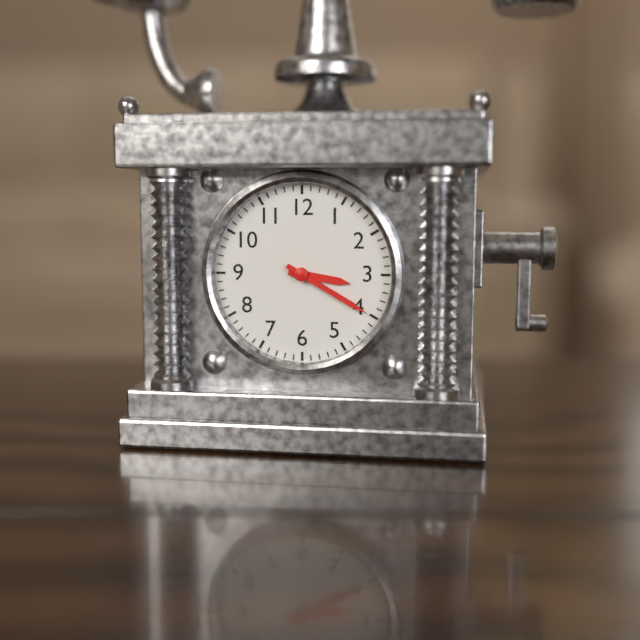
3:20
